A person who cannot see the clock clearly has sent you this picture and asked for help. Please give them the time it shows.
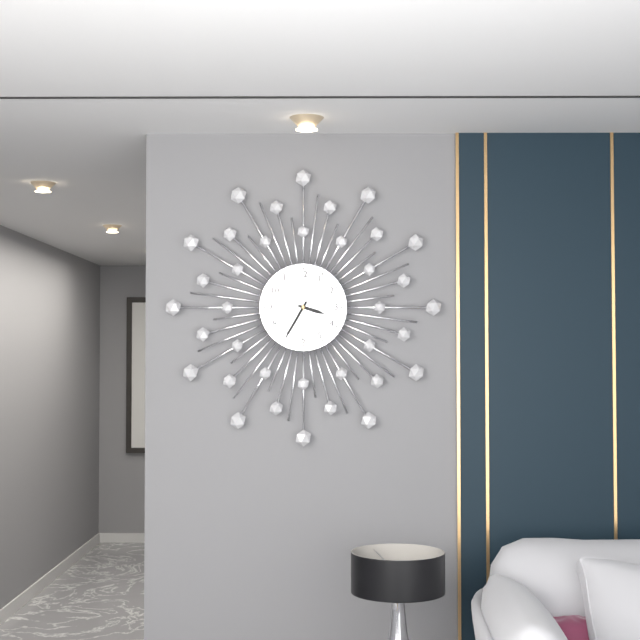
3:35
